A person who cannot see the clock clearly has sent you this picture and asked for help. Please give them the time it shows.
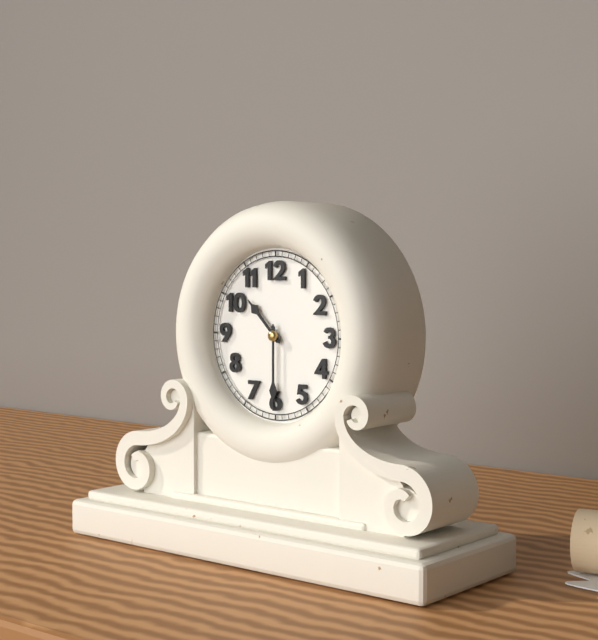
10:30
